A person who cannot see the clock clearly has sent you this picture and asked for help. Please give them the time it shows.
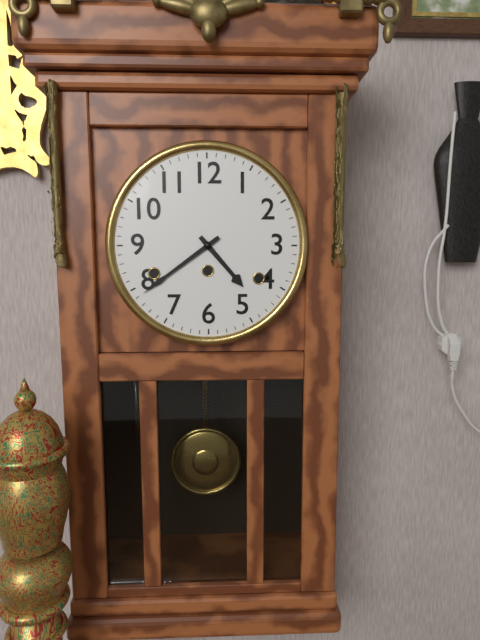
4:39
